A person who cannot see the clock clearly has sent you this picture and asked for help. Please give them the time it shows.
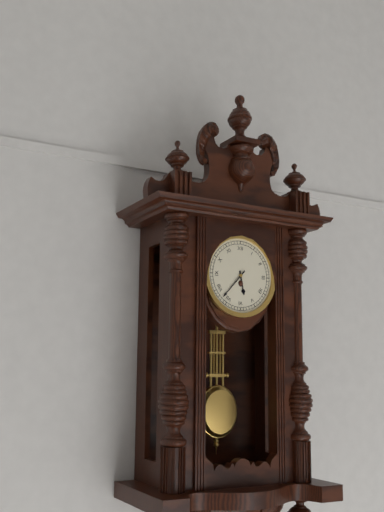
5:37
